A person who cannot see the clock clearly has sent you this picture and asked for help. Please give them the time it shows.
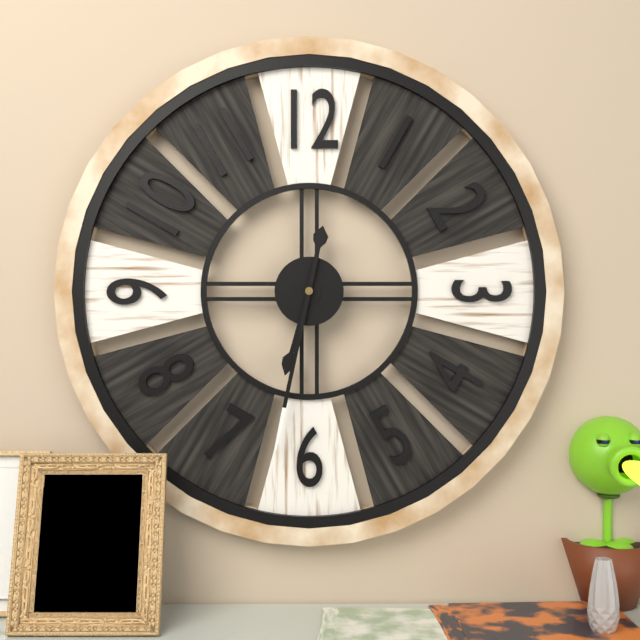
6:32
